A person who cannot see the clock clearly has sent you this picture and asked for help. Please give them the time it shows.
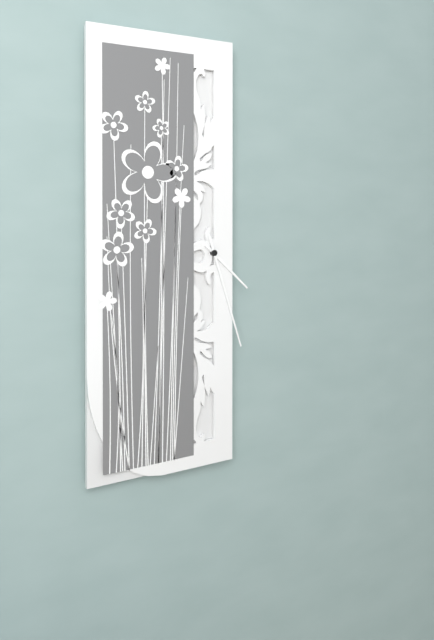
4:27
